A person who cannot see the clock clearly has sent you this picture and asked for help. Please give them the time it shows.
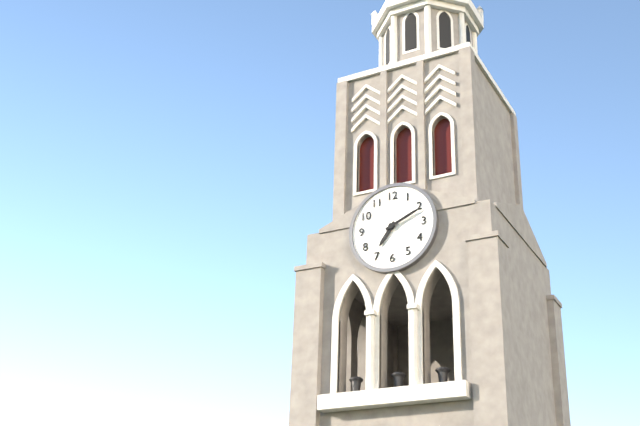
7:11
